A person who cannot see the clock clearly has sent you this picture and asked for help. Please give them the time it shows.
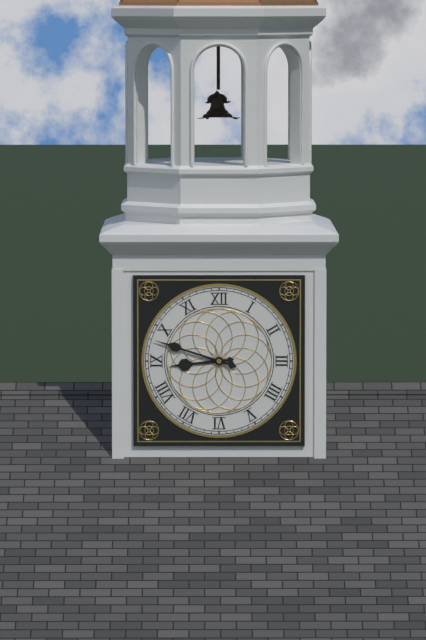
8:48
